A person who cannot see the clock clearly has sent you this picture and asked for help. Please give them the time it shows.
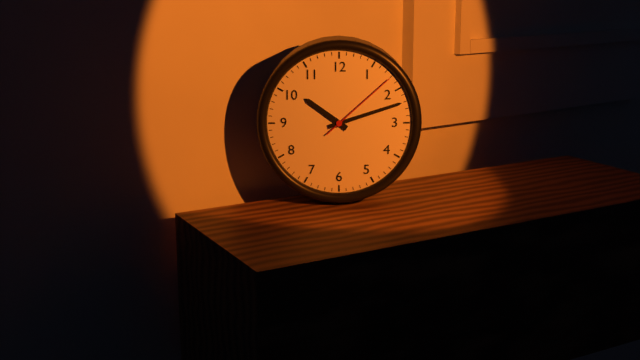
10:12:08
